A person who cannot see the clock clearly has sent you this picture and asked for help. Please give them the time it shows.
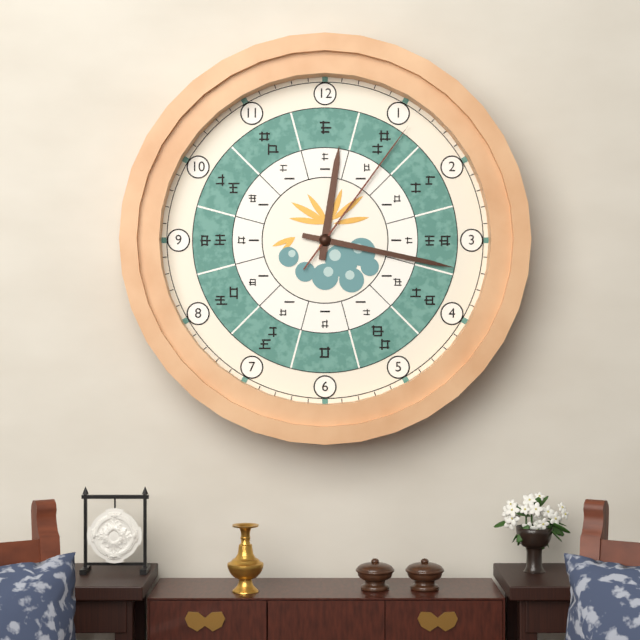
12:17:06
